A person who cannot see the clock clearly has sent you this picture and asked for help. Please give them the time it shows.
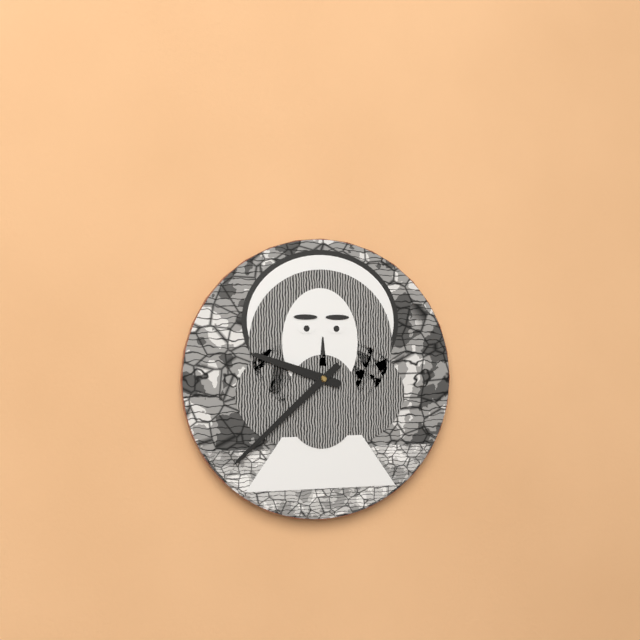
9:38
